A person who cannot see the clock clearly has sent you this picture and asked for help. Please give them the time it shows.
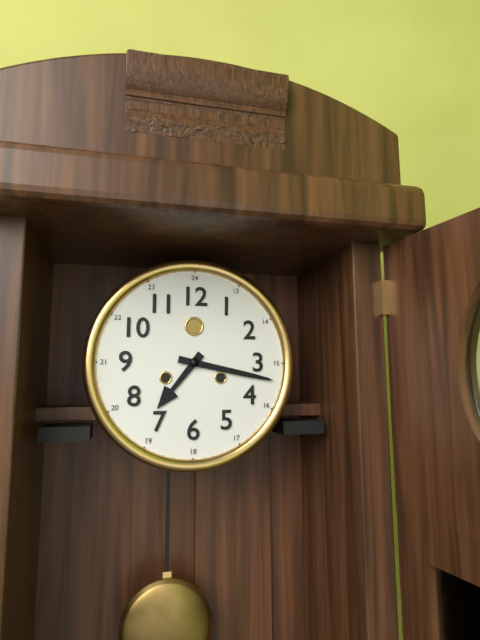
7:17
